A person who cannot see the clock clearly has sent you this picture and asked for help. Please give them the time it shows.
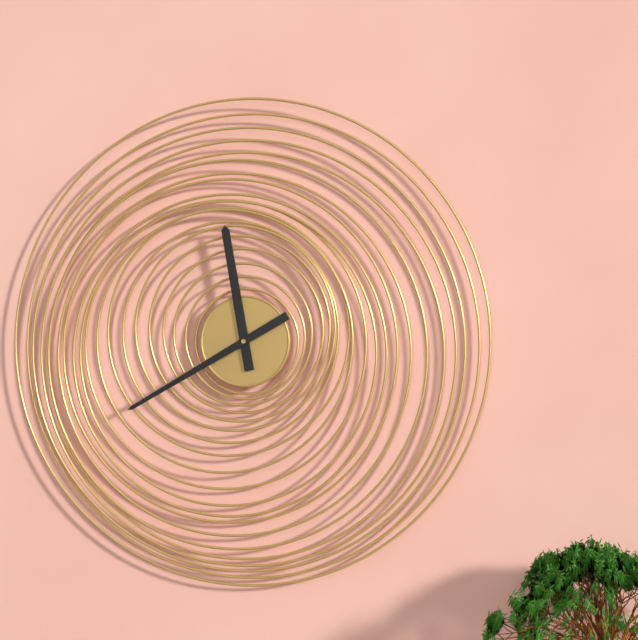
11:40
